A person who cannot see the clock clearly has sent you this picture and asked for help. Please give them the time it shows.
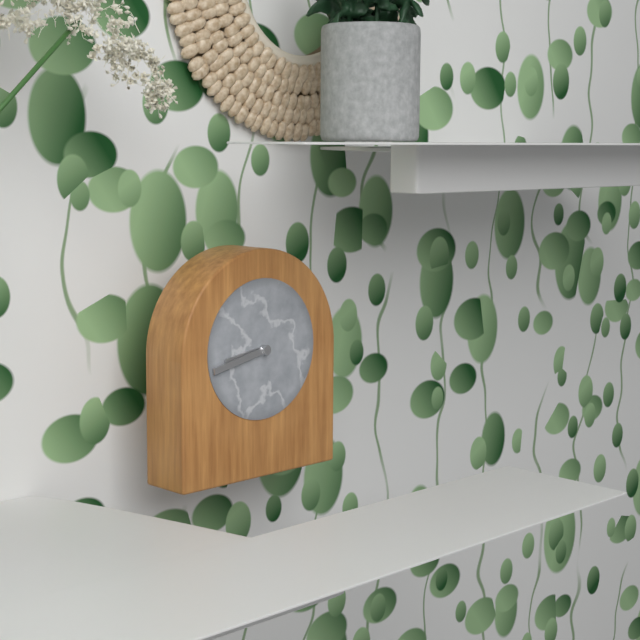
8:43
